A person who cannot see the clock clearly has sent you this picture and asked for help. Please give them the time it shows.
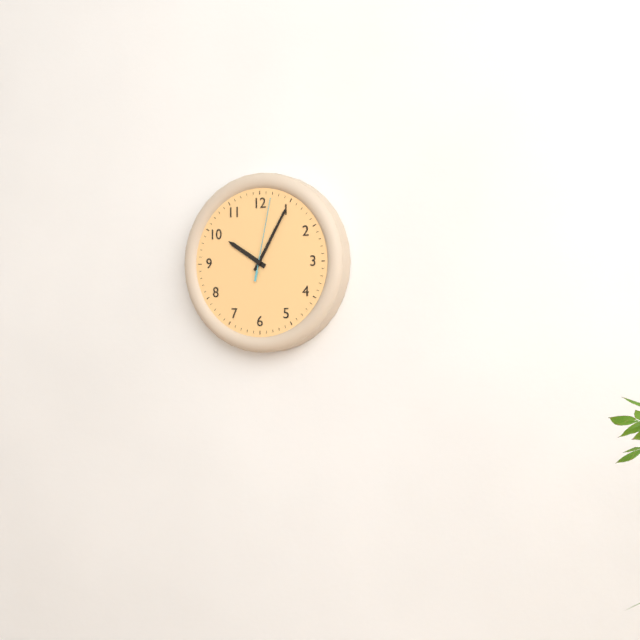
10:05:02
